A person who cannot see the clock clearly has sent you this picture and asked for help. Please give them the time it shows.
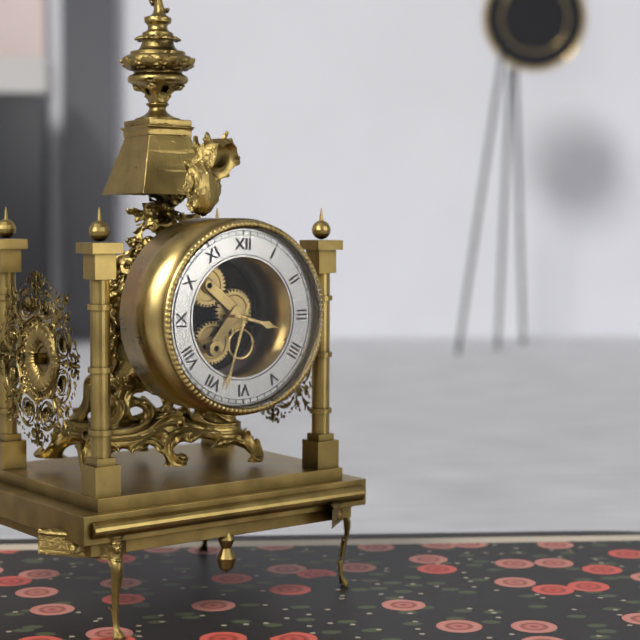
3:33
